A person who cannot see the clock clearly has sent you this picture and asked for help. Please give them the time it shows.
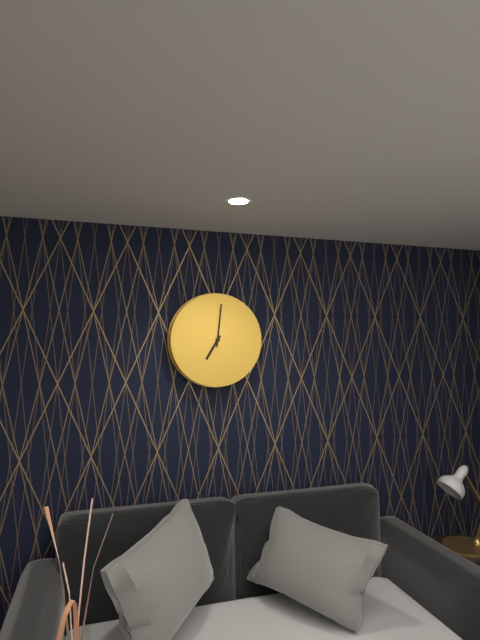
7:01
